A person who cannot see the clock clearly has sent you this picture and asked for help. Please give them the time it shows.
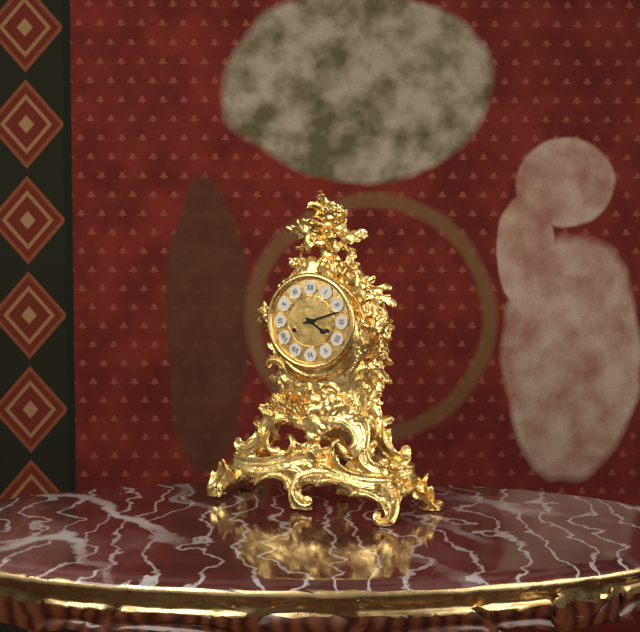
4:12
